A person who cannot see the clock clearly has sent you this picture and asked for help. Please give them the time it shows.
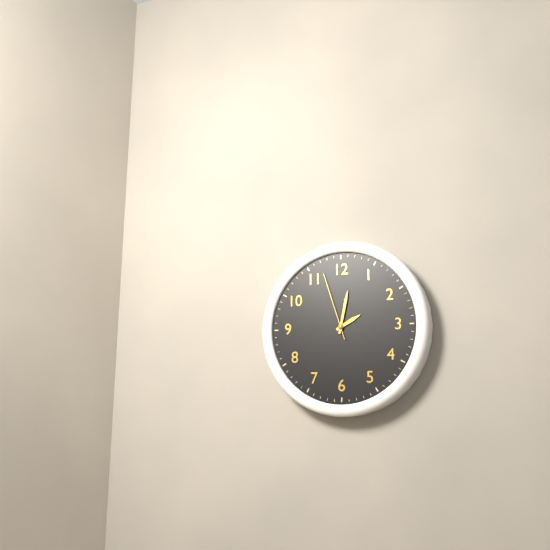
2:02:57
